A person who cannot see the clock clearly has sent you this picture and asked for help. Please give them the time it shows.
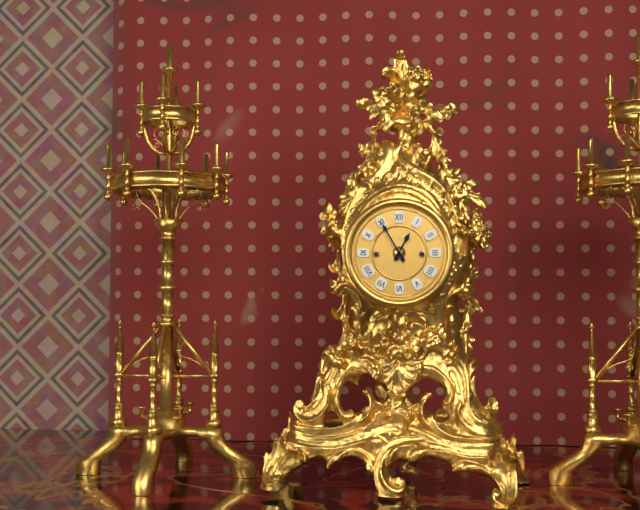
12:55
